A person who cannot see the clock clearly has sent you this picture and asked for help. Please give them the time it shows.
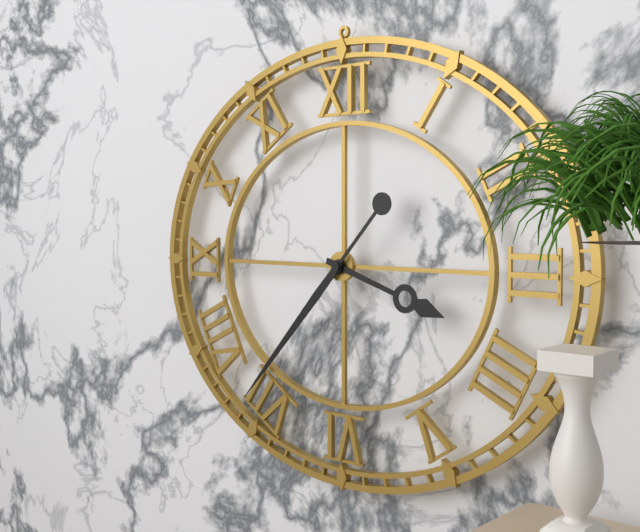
3:37
